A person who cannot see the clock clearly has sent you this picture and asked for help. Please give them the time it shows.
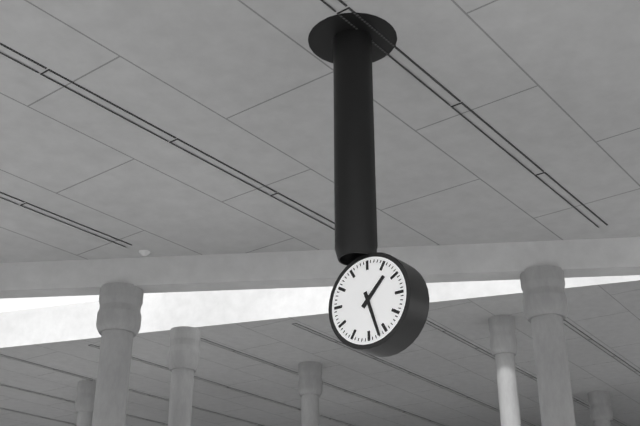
1:27
